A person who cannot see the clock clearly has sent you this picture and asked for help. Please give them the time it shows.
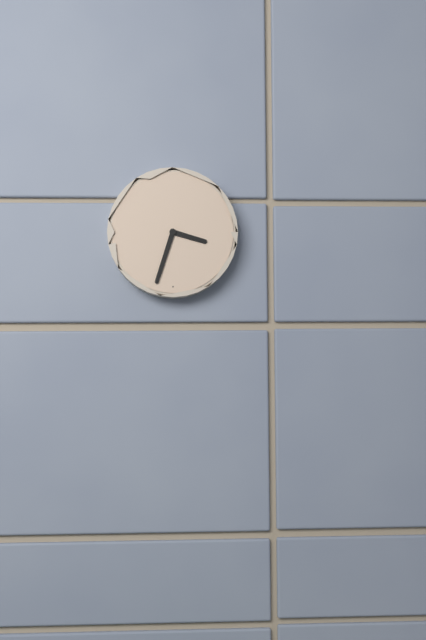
3:33
